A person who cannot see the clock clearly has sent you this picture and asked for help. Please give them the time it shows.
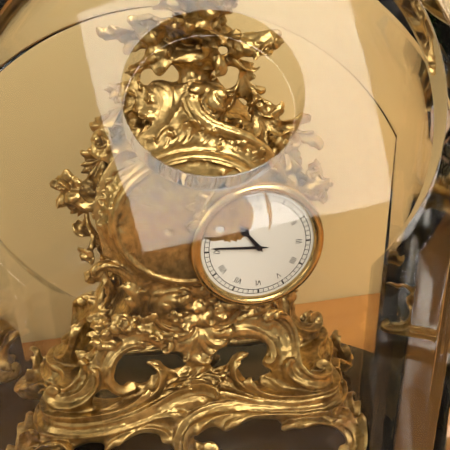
10:46
